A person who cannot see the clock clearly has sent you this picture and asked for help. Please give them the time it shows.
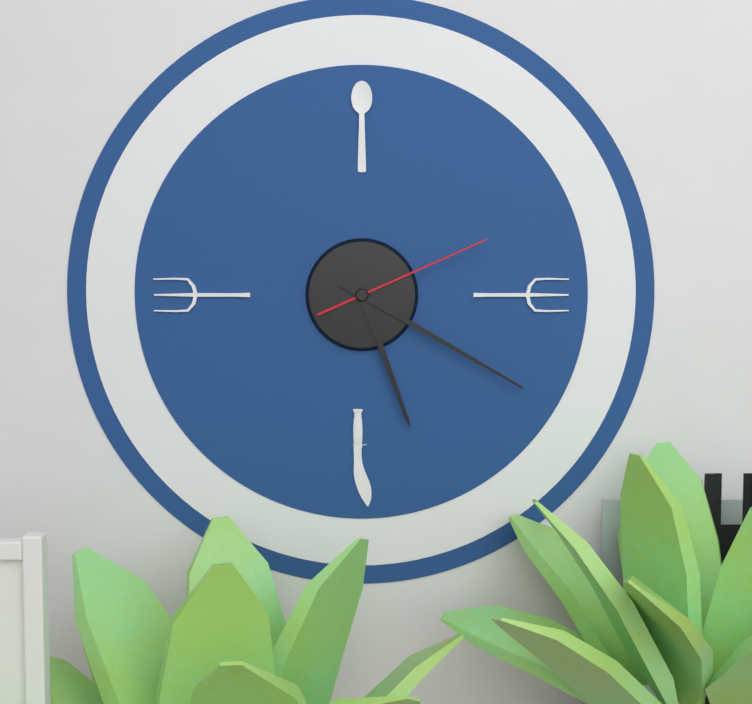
5:20:11
